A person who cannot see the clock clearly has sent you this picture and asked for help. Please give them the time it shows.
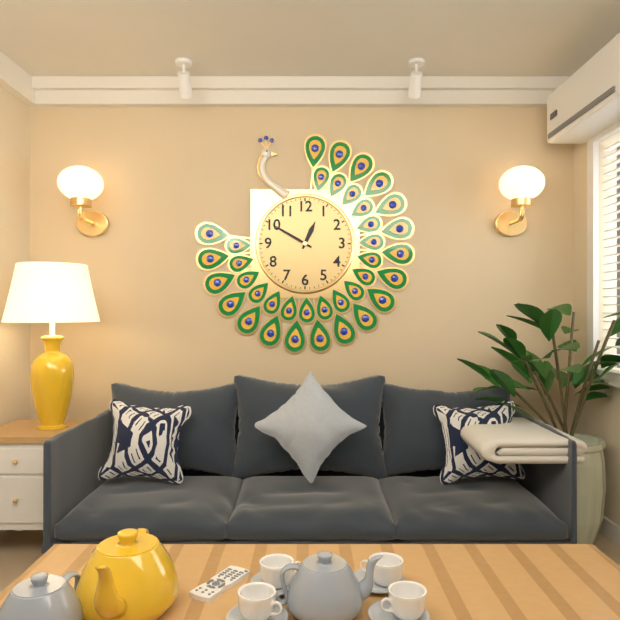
12:50
